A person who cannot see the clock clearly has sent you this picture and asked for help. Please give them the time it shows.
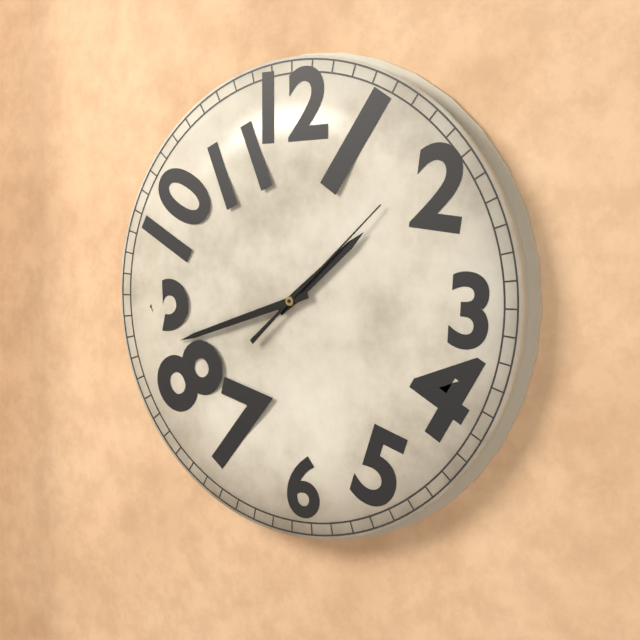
1:42:08
